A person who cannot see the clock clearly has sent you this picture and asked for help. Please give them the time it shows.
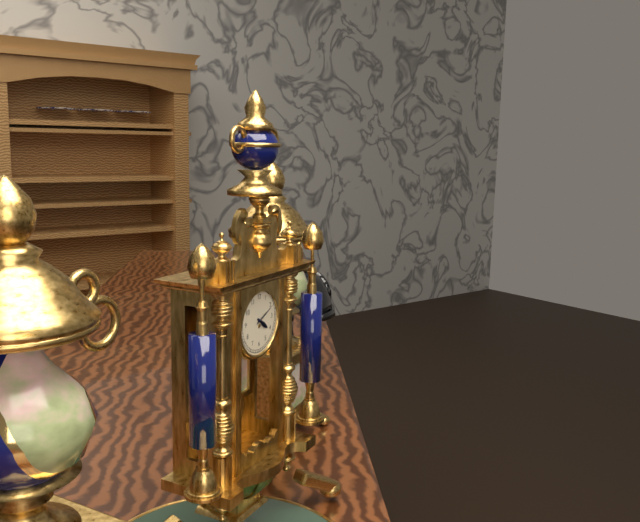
4:11
